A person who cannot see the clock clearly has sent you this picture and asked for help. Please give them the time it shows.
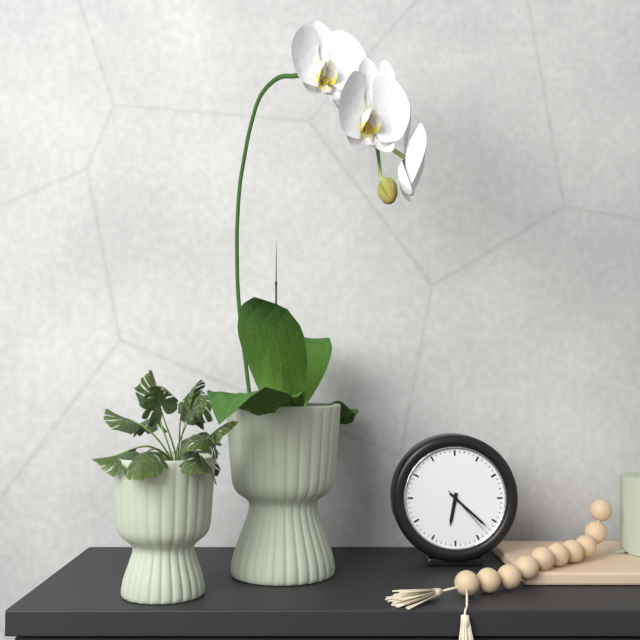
6:22:23
